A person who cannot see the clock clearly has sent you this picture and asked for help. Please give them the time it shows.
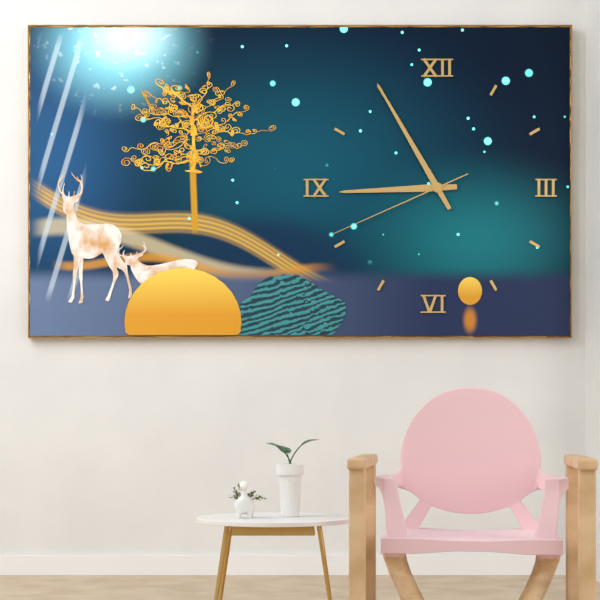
8:55:41
